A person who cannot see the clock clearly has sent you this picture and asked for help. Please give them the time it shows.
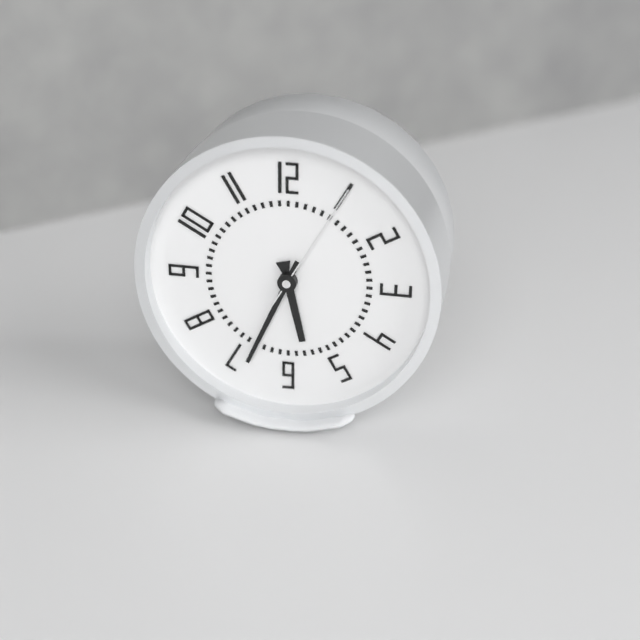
5:34:05
